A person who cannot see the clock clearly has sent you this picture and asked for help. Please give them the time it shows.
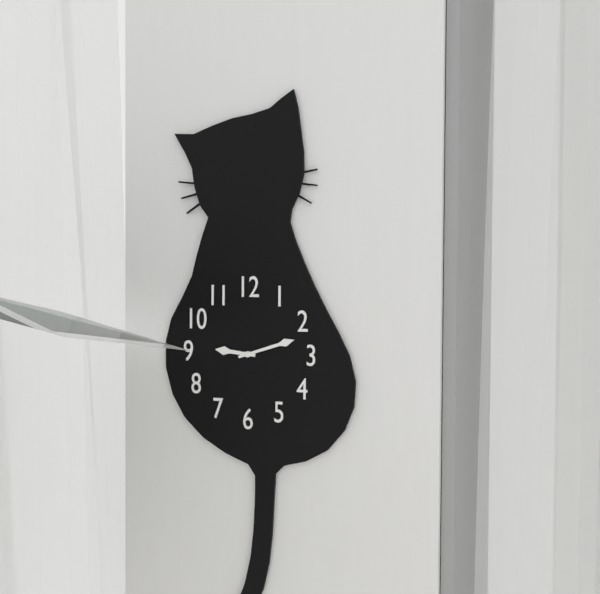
9:12
